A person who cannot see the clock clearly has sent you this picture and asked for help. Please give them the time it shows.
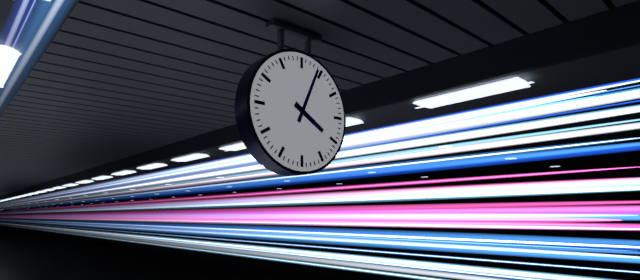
4:04
